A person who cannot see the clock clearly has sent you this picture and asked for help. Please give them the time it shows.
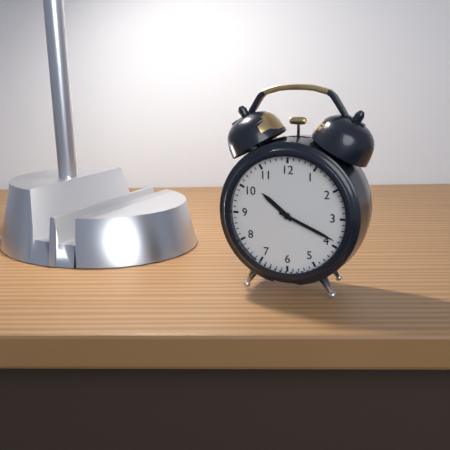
10:19
